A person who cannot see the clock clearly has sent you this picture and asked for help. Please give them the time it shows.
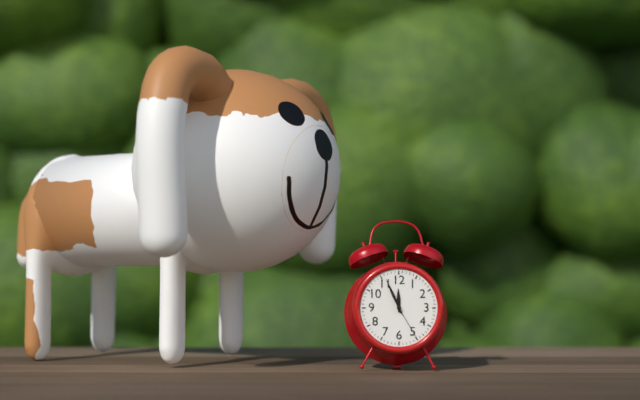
11:56
